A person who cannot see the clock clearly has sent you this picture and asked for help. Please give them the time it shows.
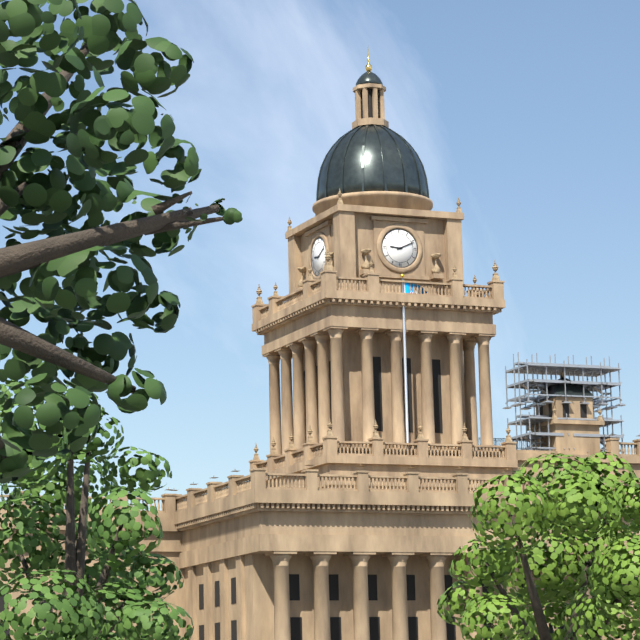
9:11
